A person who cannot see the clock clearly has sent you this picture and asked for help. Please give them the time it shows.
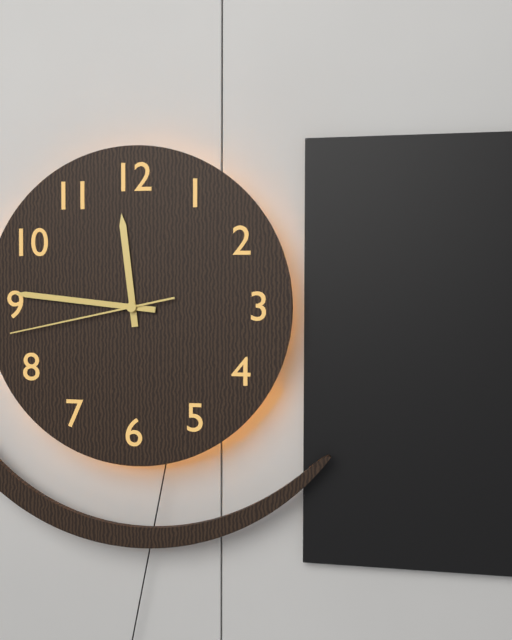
11:46:43
